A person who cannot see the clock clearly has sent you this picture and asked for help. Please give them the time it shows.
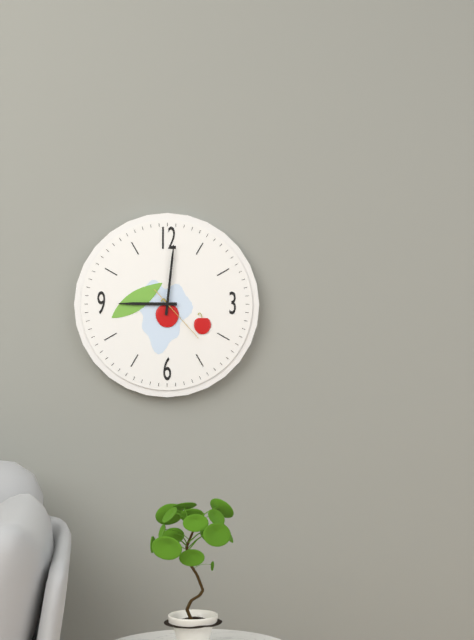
9:01:23
